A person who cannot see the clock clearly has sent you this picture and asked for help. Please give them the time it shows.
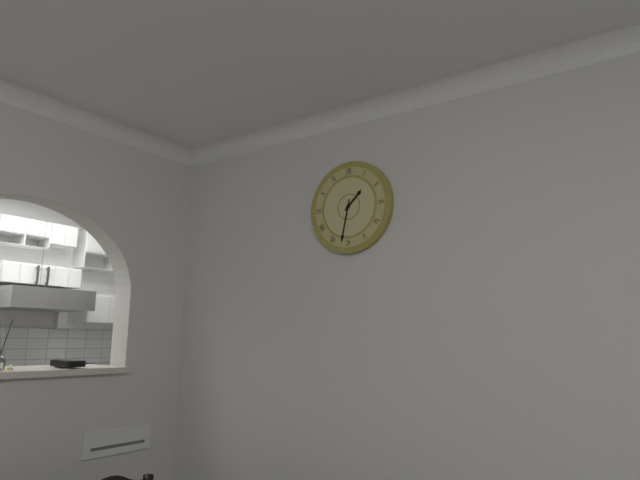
1:32
